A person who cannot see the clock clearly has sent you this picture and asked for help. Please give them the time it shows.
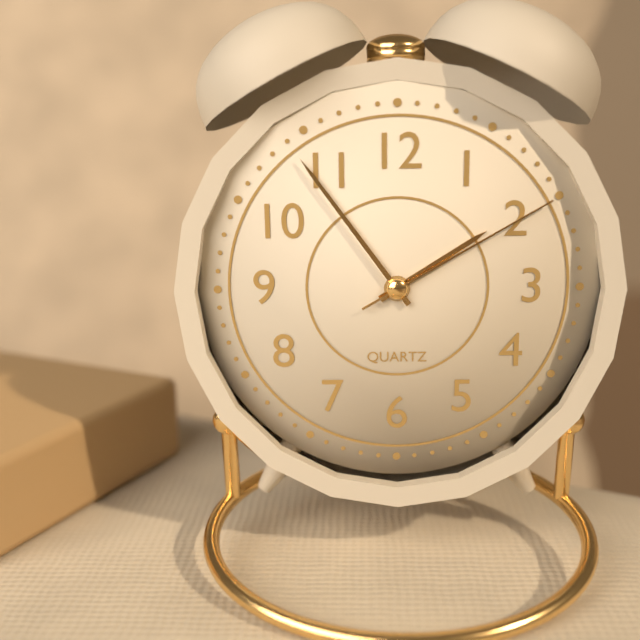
1:54:10
